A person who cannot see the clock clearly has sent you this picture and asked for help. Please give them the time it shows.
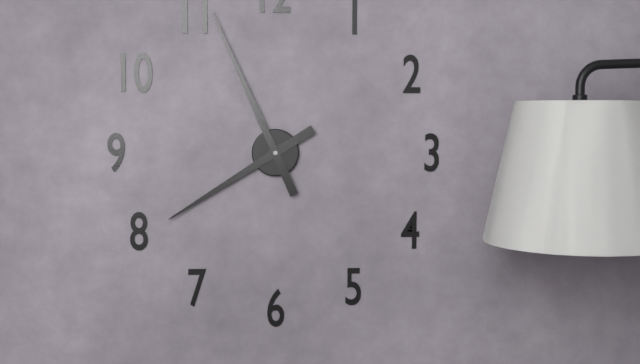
7:56
